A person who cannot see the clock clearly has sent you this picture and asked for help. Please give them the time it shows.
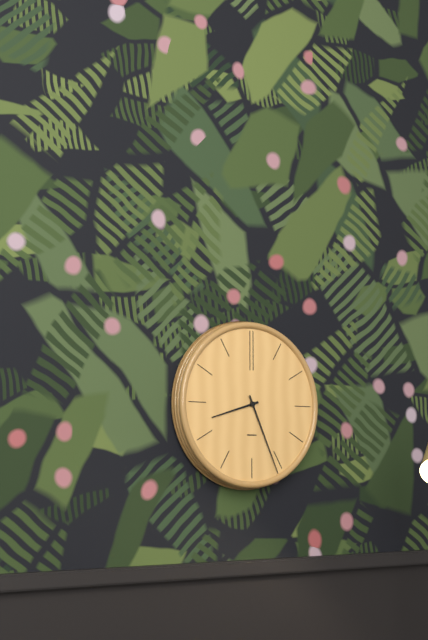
8:26
